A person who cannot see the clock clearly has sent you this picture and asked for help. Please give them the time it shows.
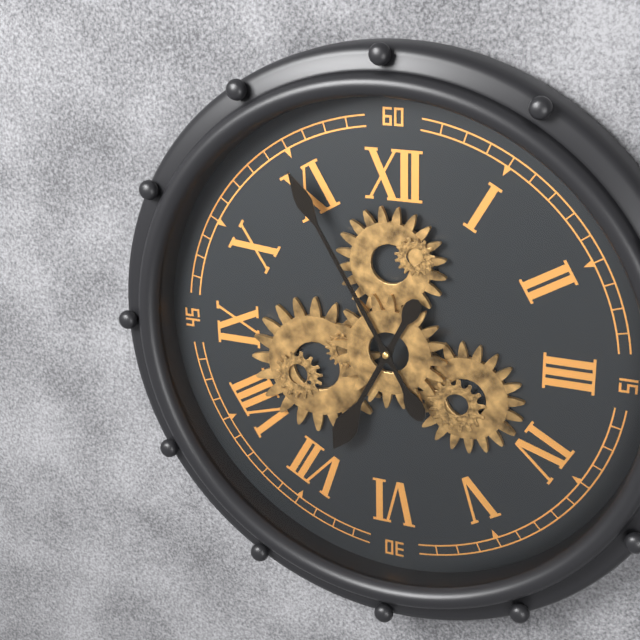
6:55
